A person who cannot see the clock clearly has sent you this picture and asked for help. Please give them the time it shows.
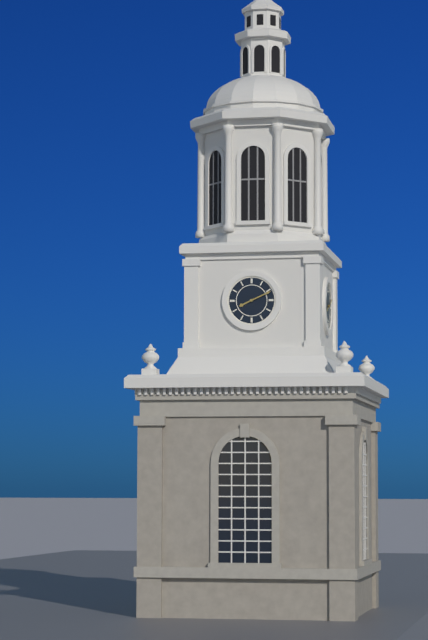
8:11
